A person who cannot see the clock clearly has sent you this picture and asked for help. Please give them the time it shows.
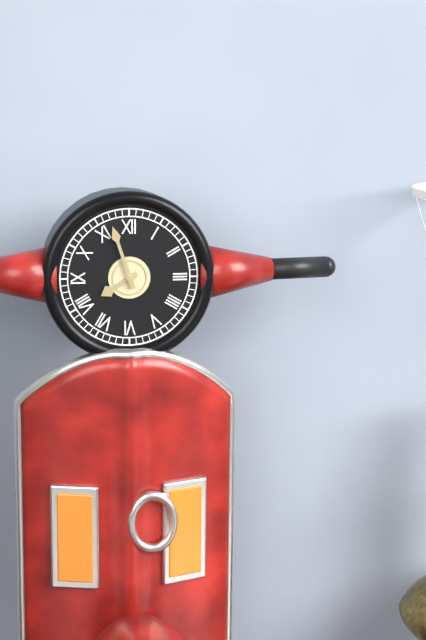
7:57
